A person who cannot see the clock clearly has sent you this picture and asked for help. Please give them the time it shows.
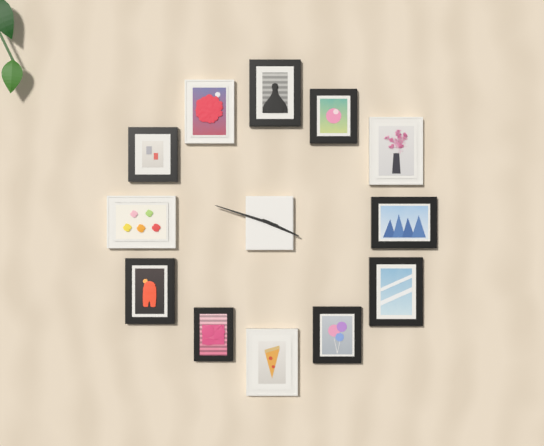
3:48
